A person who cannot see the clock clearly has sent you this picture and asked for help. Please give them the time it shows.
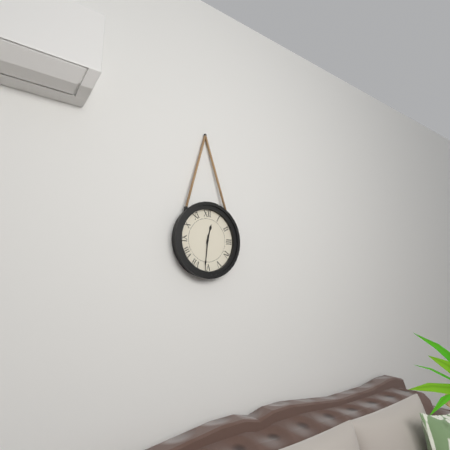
12:31
